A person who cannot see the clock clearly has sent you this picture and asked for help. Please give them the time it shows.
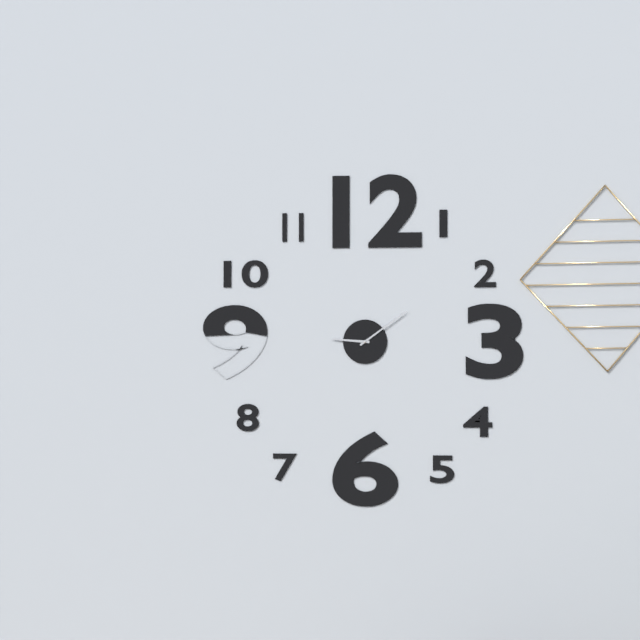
9:09
